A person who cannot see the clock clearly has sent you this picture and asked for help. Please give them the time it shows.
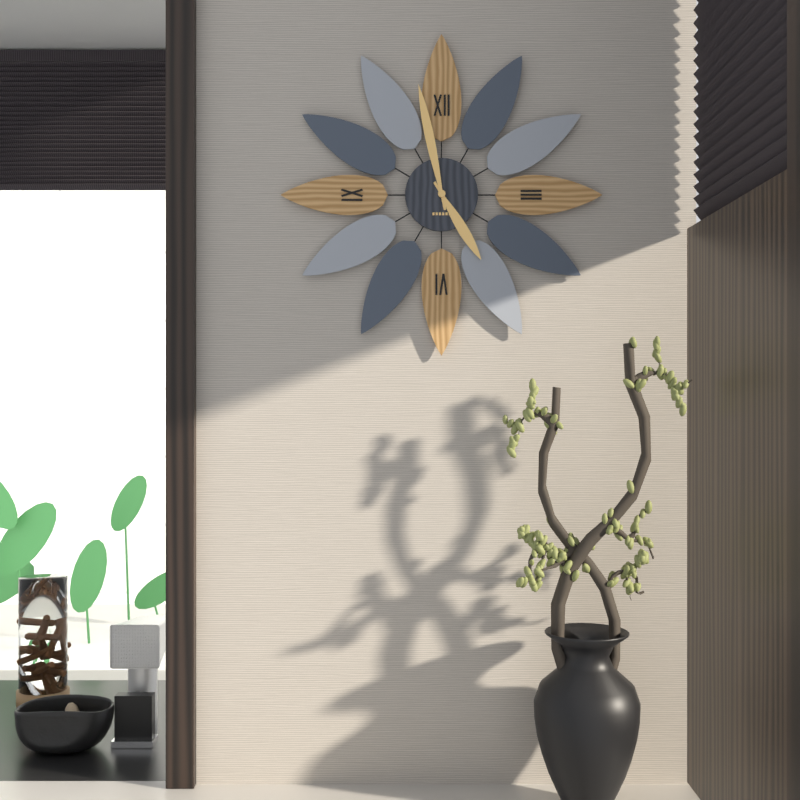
4:58
